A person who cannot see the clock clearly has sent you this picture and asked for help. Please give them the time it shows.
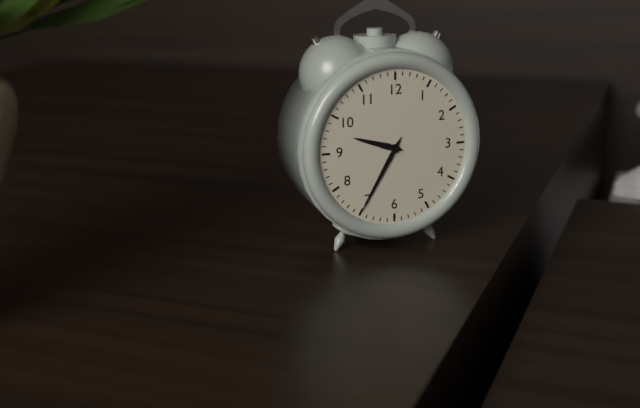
9:35
